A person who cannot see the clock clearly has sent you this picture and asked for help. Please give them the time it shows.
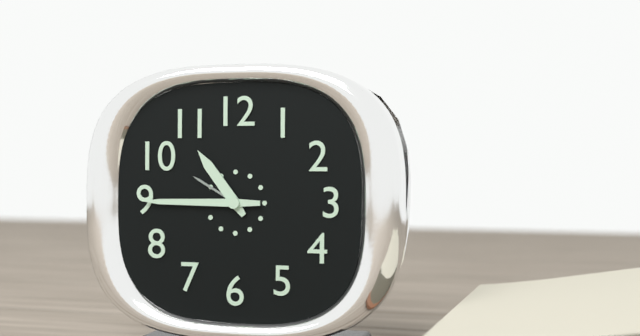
10:45
